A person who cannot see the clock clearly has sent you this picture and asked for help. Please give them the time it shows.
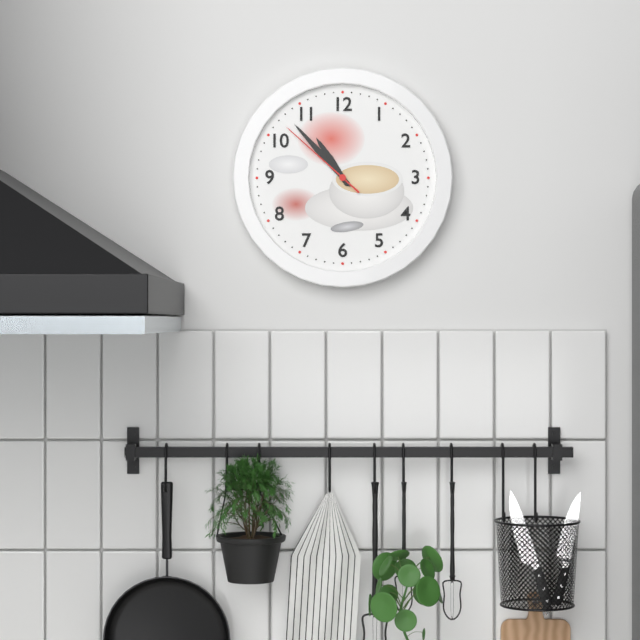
10:53:52
